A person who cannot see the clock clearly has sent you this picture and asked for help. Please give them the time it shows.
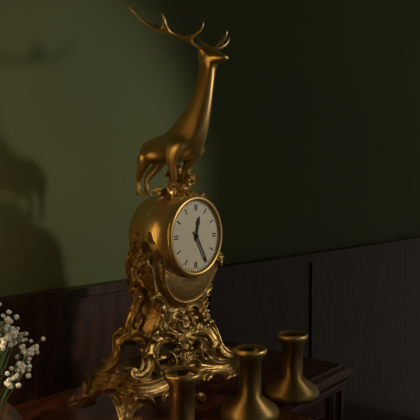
12:25
